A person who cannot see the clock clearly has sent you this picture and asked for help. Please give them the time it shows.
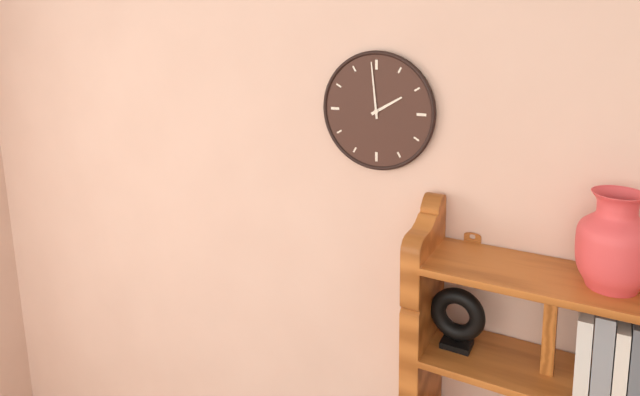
1:59
